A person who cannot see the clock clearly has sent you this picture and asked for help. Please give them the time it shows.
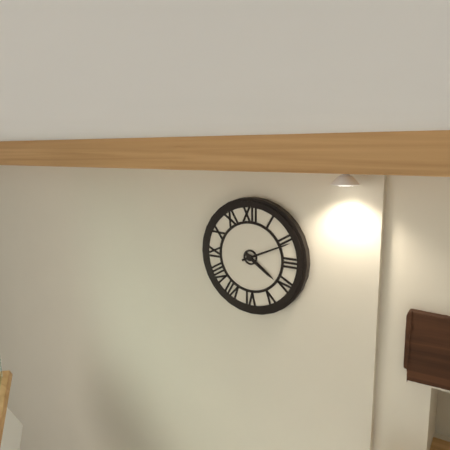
4:11
